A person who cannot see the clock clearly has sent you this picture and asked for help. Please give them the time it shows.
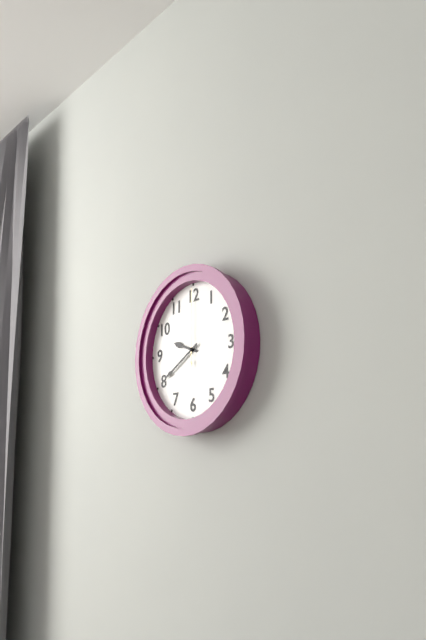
9:40:00
